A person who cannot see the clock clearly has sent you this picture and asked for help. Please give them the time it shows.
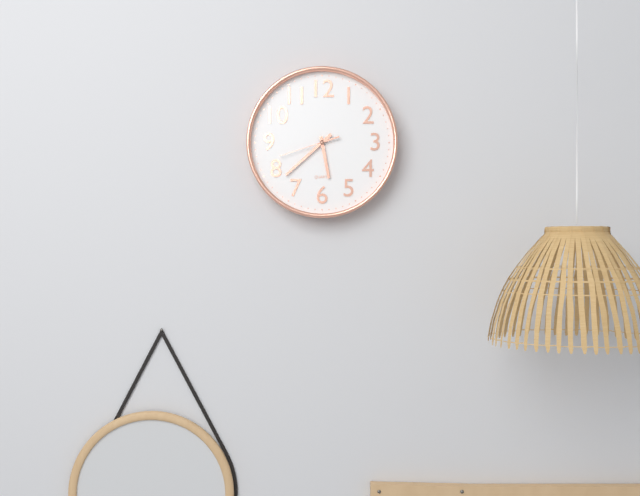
5:38:42
